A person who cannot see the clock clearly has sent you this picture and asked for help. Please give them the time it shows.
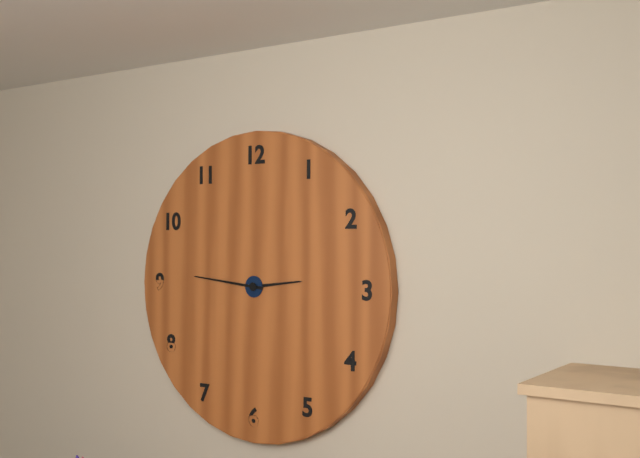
2:46
